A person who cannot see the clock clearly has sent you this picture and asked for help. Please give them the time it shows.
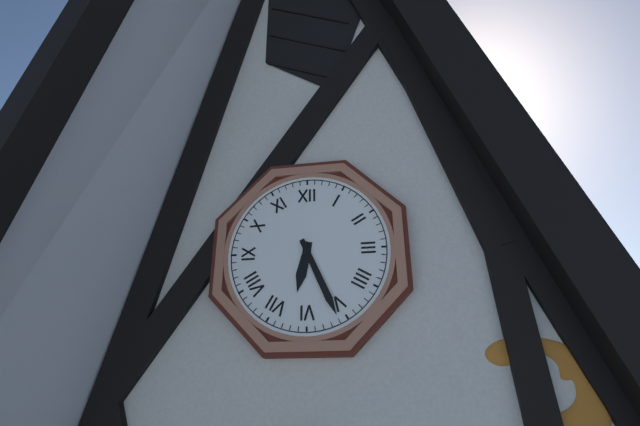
6:26
